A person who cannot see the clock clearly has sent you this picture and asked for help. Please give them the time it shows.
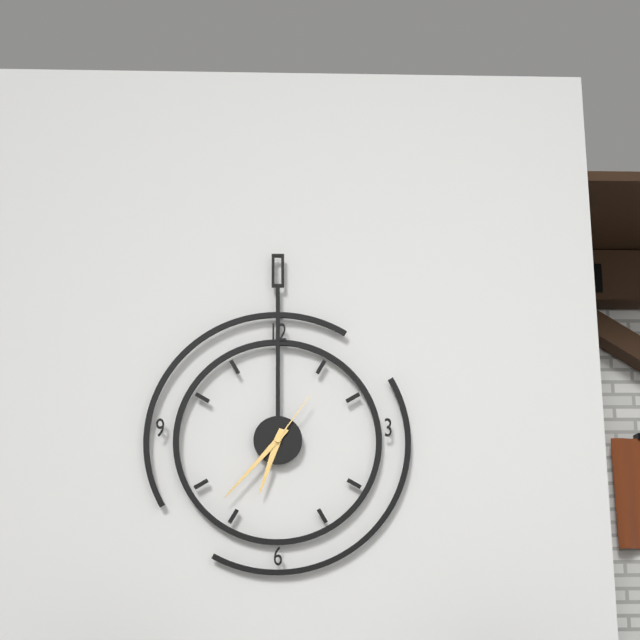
6:37:06
